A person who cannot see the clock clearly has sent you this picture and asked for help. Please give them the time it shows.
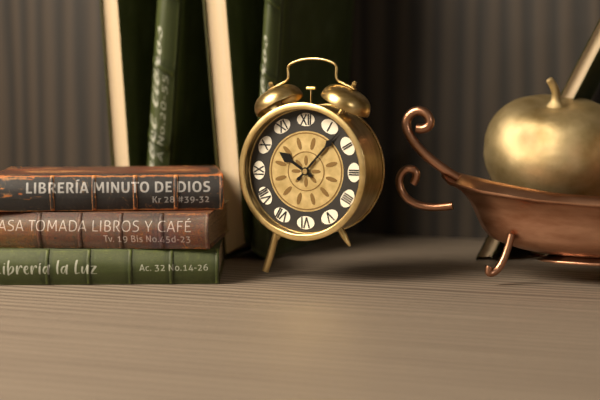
10:07
